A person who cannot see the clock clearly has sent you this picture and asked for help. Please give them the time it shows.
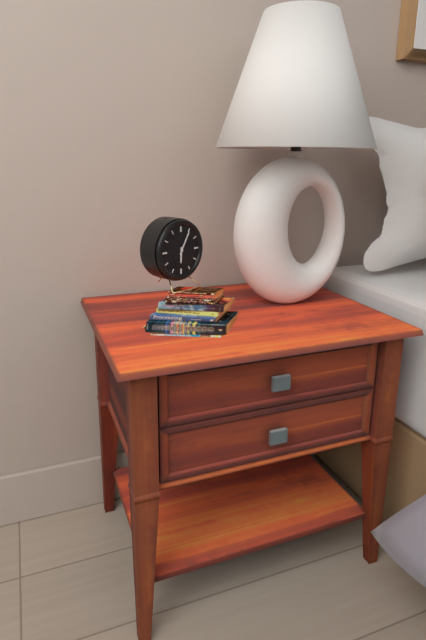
6:05
